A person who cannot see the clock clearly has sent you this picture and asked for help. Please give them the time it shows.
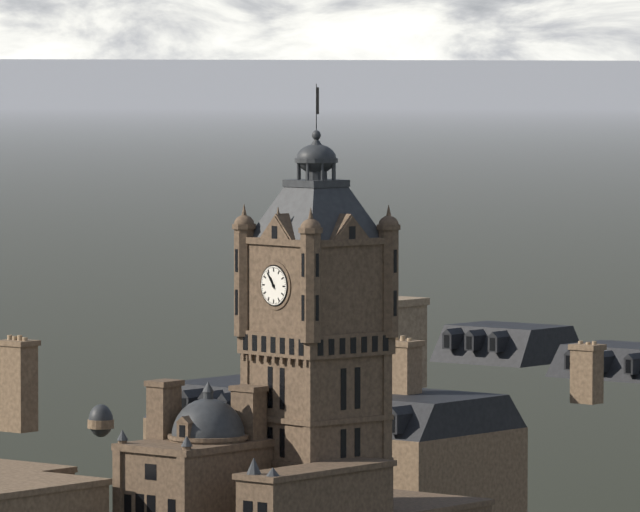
10:54
